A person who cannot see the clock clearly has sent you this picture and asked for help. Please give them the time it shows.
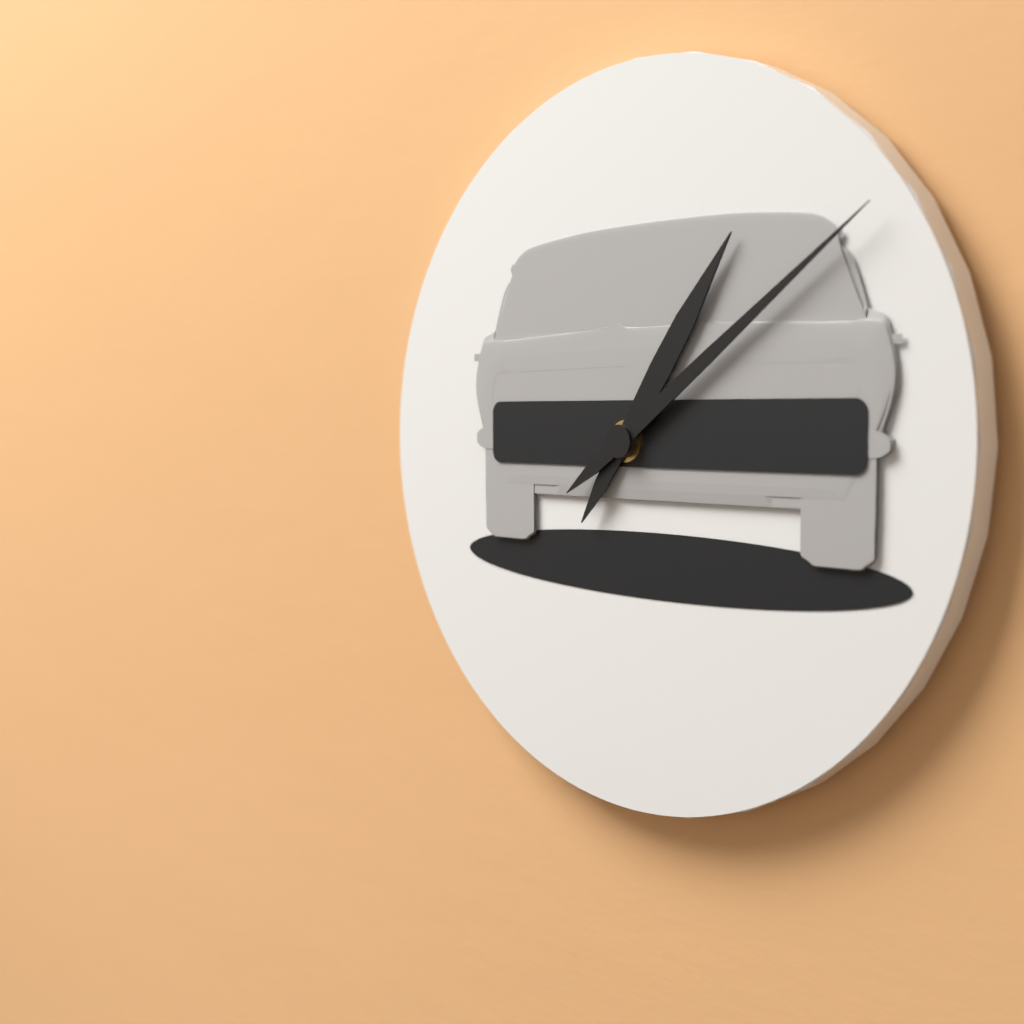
1:09
